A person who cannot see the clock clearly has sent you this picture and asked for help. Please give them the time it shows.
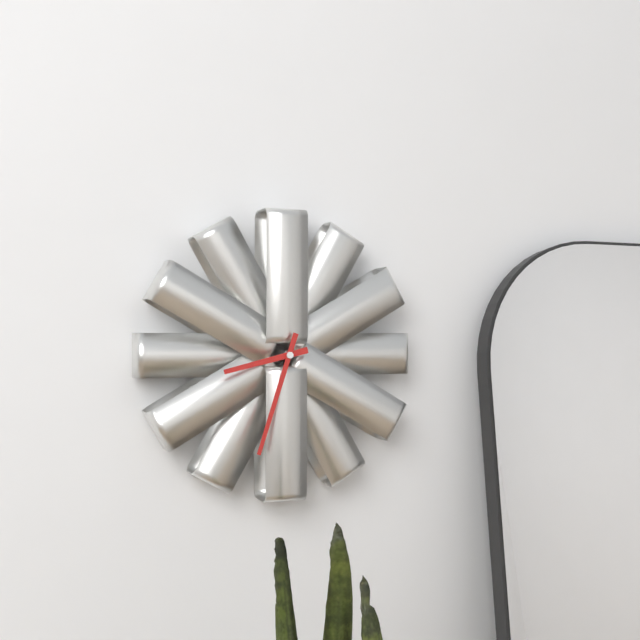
8:33
